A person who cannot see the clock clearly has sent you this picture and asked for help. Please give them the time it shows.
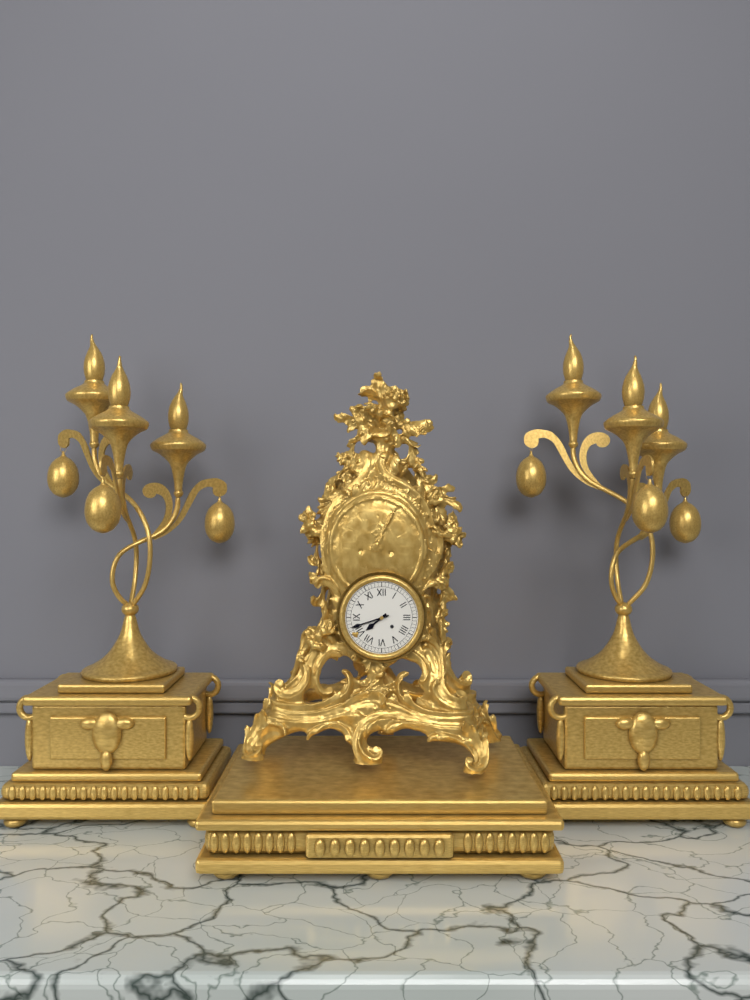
7:42
